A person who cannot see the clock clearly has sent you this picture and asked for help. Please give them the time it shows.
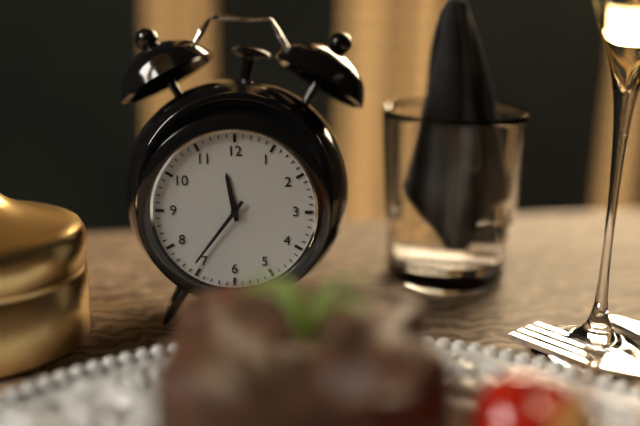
11:36
